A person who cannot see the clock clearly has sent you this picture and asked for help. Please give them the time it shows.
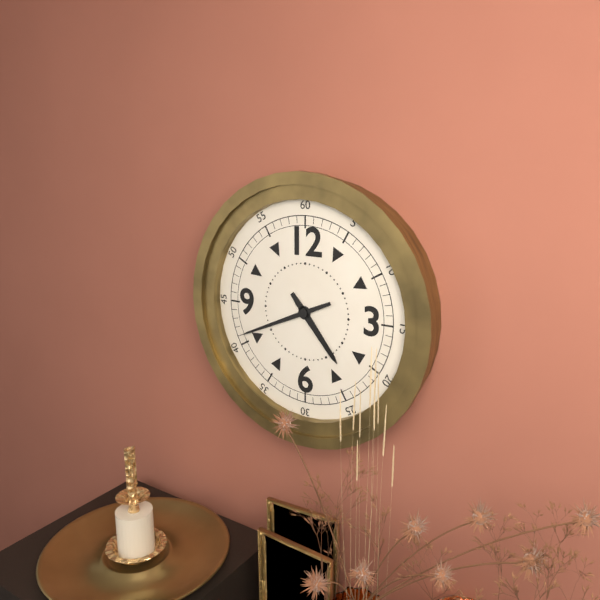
4:41
